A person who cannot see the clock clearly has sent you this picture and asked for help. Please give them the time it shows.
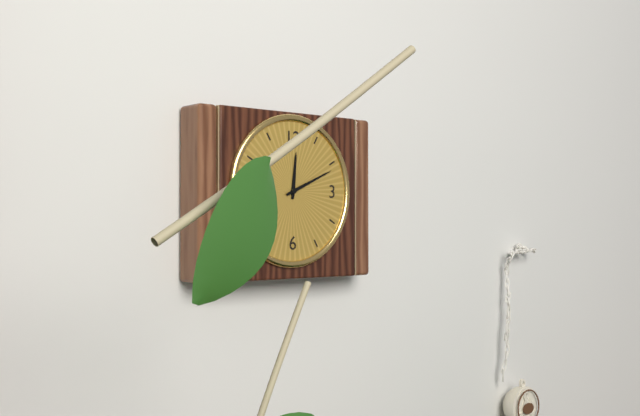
12:11
